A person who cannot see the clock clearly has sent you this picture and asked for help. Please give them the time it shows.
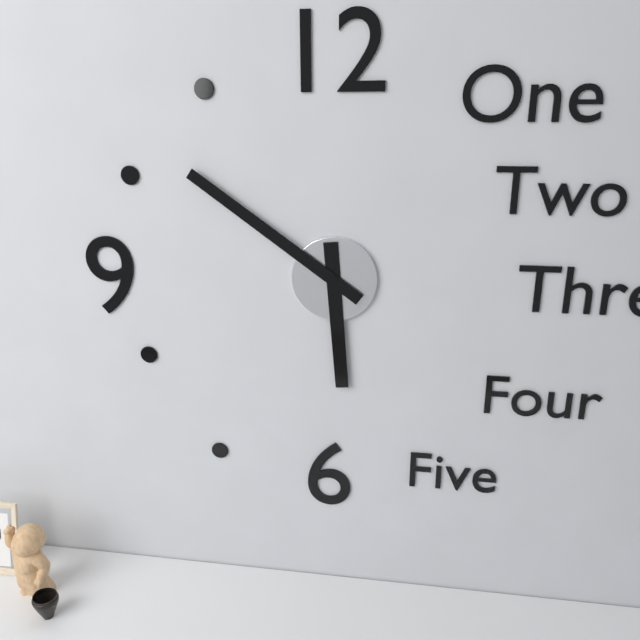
5:51
